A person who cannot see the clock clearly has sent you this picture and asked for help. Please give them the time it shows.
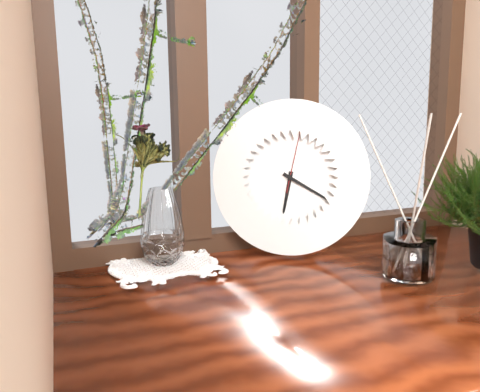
6:20:02
